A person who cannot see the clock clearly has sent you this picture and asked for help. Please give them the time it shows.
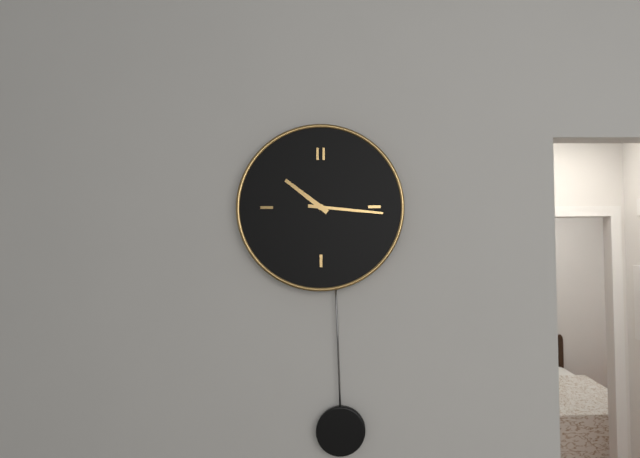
10:16
